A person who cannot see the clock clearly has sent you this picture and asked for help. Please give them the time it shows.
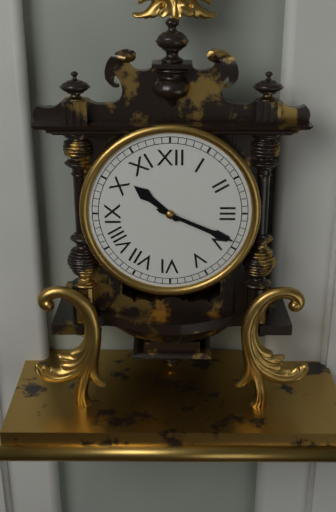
10:19
